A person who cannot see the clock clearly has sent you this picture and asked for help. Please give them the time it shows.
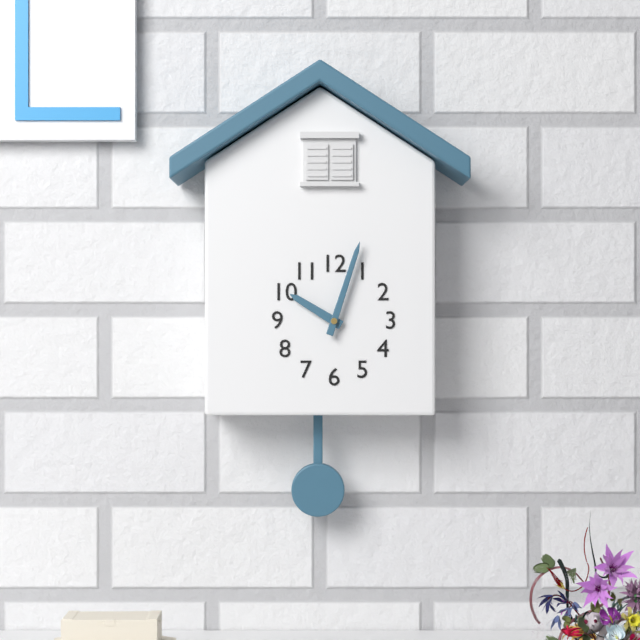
10:03
